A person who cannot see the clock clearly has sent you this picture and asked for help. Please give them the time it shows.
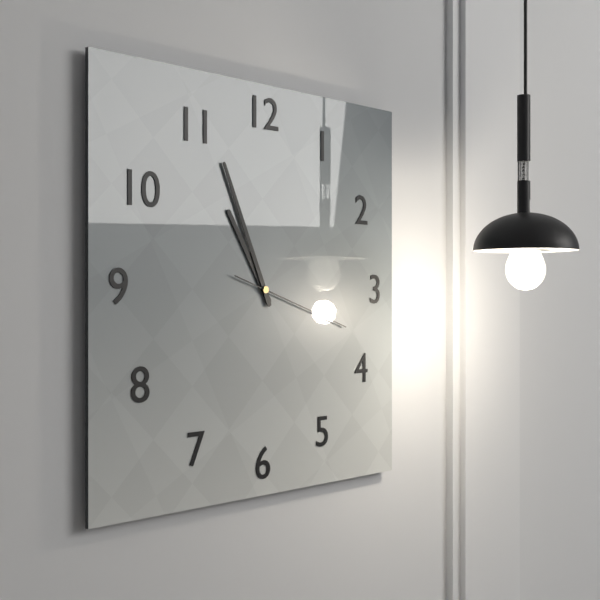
10:56:18
